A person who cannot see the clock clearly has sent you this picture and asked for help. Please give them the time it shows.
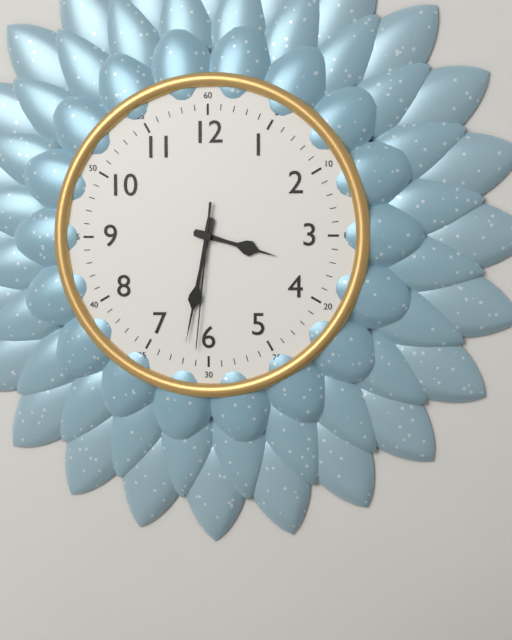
3:32:31
